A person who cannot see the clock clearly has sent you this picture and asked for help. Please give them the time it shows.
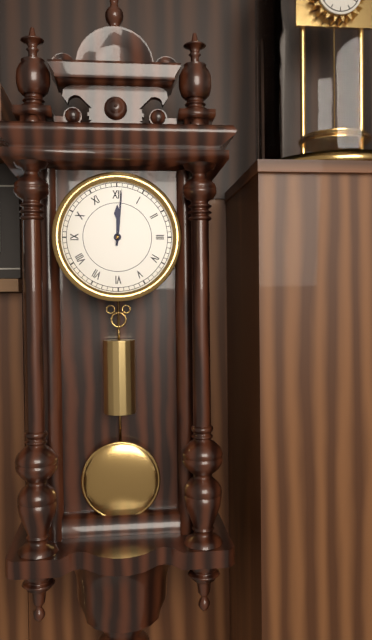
12:01
